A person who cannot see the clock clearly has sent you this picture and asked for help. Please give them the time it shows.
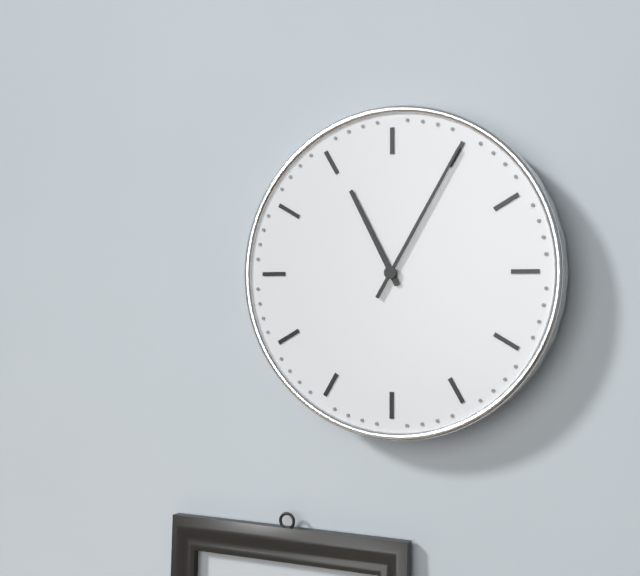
11:05
